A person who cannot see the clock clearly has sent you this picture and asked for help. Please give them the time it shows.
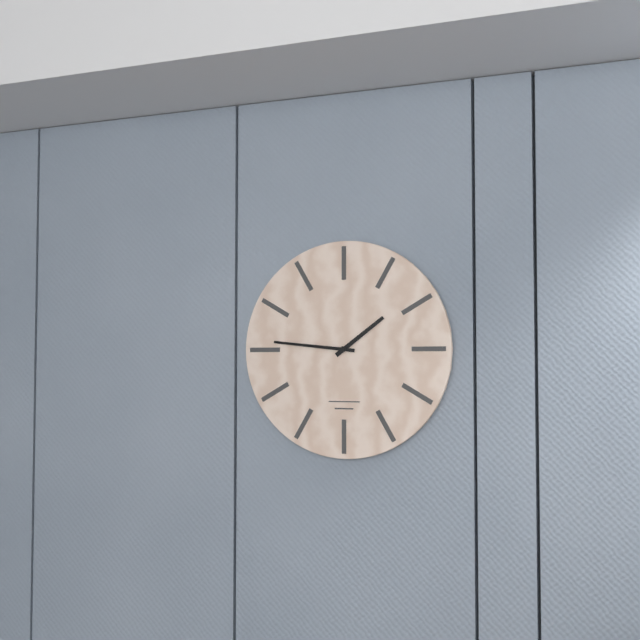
1:46
